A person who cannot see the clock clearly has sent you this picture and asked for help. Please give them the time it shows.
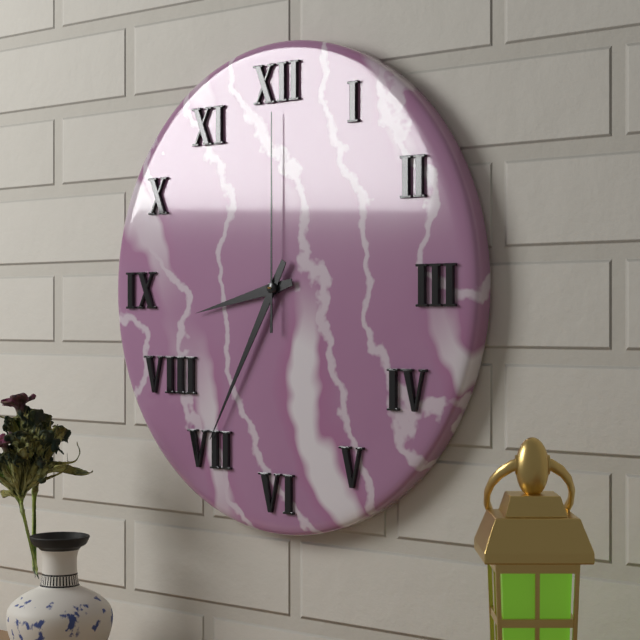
8:35:00
